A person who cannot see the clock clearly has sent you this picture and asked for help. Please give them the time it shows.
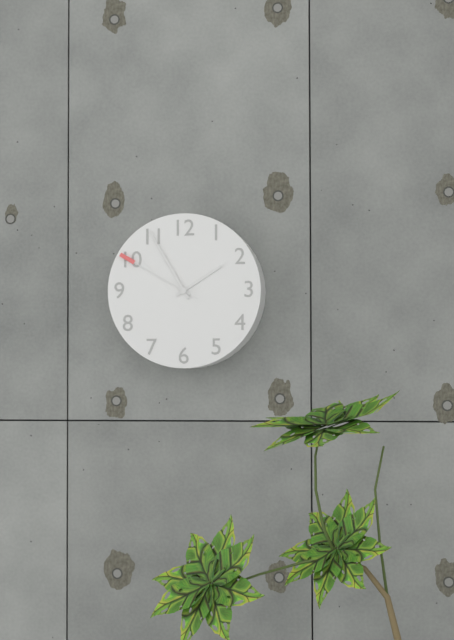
1:55:50
